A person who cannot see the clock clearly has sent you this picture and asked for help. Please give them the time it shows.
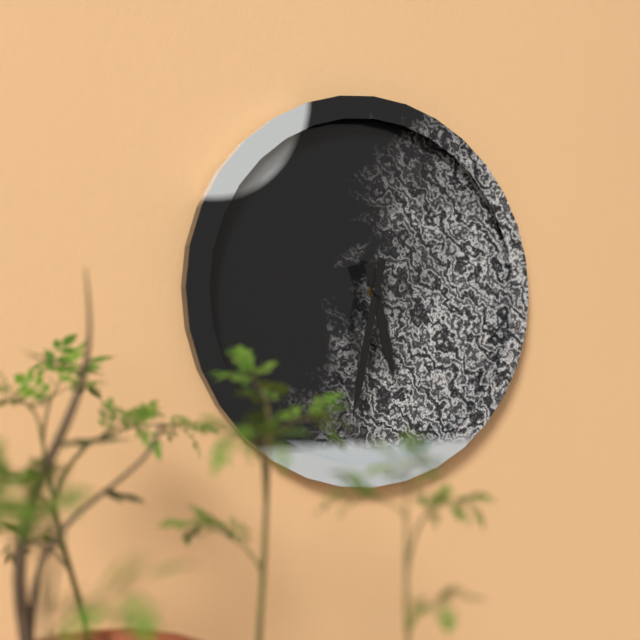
5:32
